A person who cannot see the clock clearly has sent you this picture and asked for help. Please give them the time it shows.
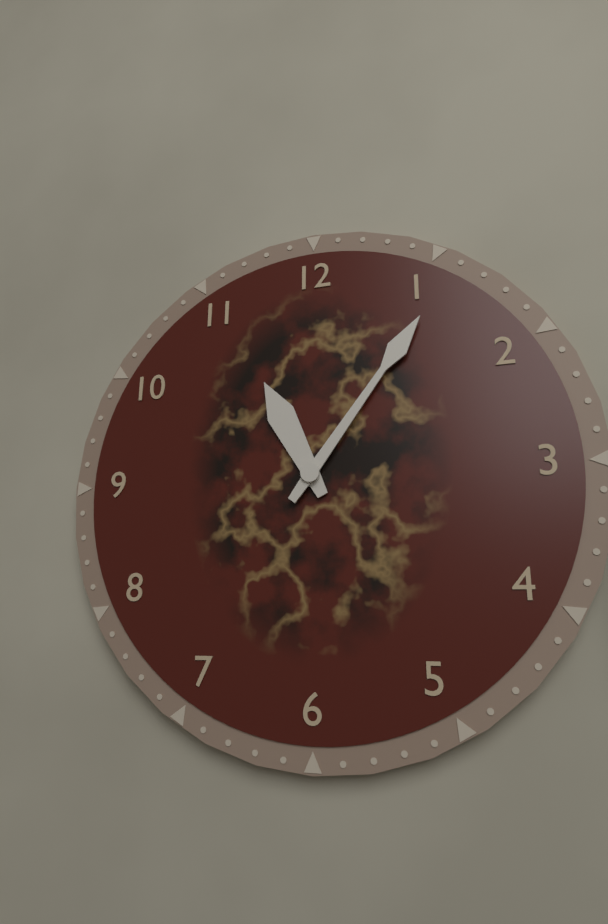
11:06
